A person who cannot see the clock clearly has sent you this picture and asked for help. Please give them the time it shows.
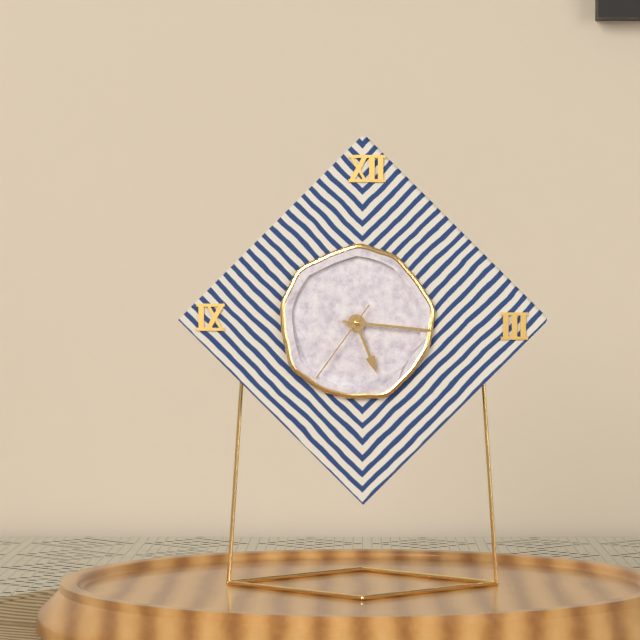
5:16:36
